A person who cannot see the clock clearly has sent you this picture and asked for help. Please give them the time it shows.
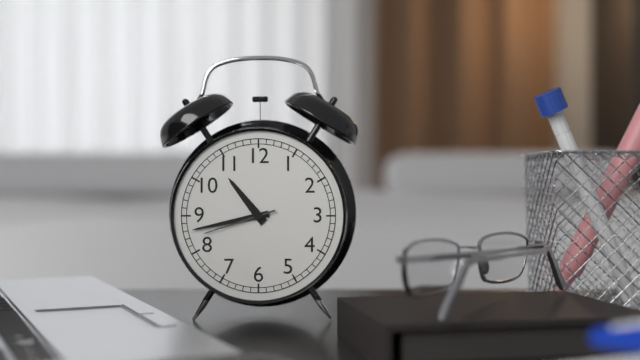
10:43:42
